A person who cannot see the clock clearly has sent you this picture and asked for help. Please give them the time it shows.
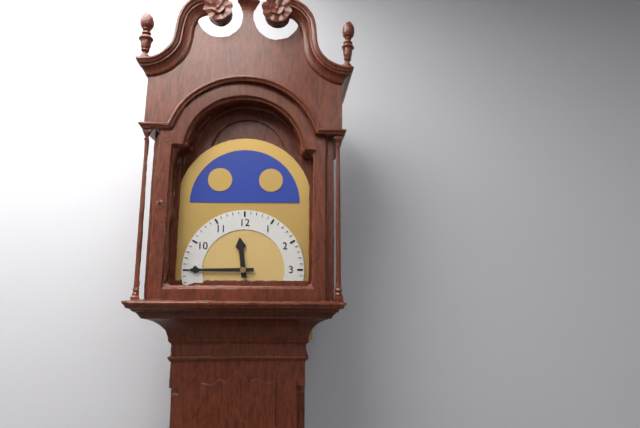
11:45
